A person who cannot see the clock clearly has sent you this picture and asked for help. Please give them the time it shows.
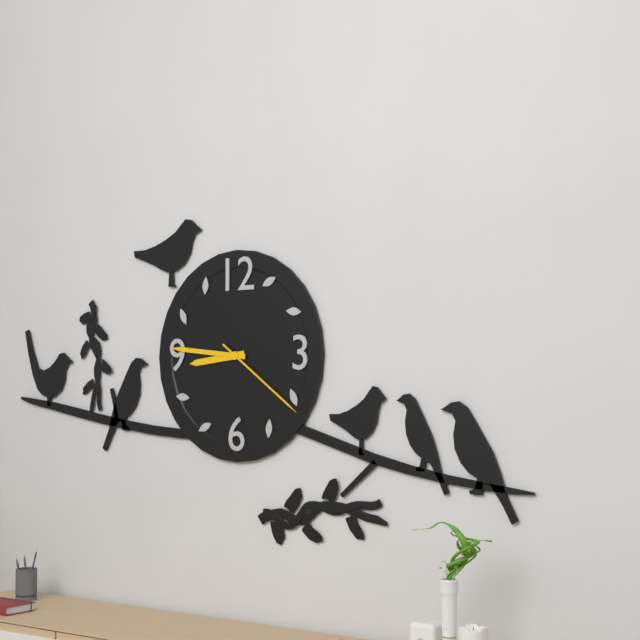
8:46:21
